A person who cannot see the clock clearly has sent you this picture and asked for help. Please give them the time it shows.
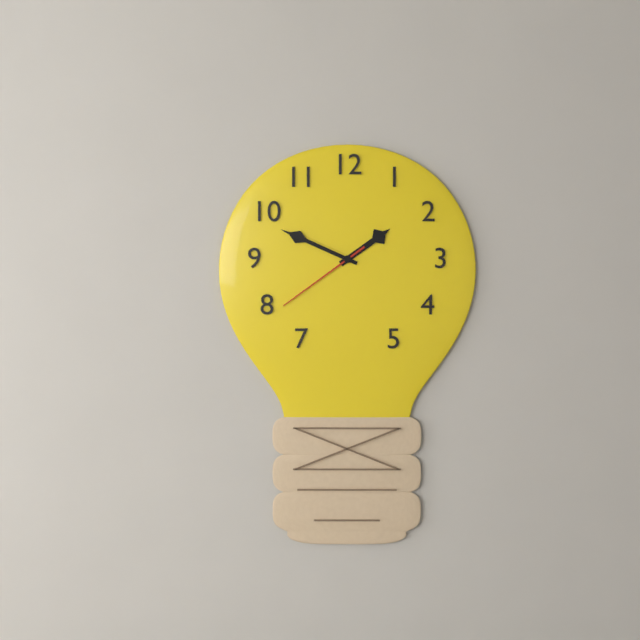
1:49:39
